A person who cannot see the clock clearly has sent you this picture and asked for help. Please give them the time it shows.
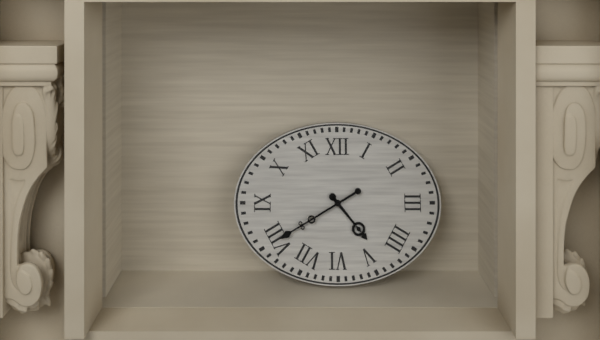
4:40
